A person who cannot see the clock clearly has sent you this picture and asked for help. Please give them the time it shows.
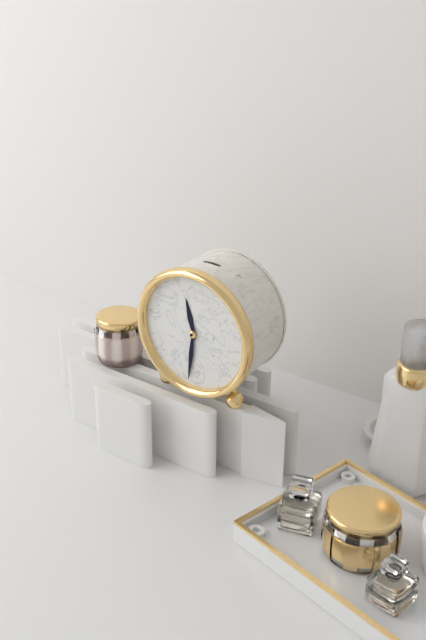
11:31
